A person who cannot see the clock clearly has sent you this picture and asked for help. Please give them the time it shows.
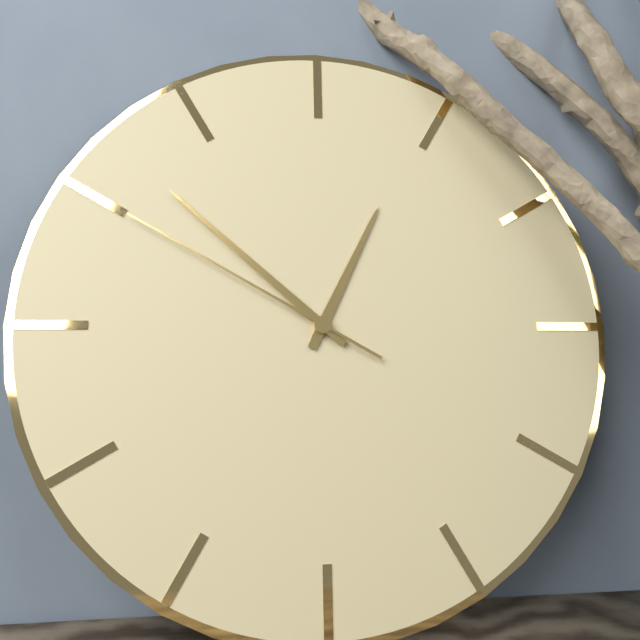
12:52:50
